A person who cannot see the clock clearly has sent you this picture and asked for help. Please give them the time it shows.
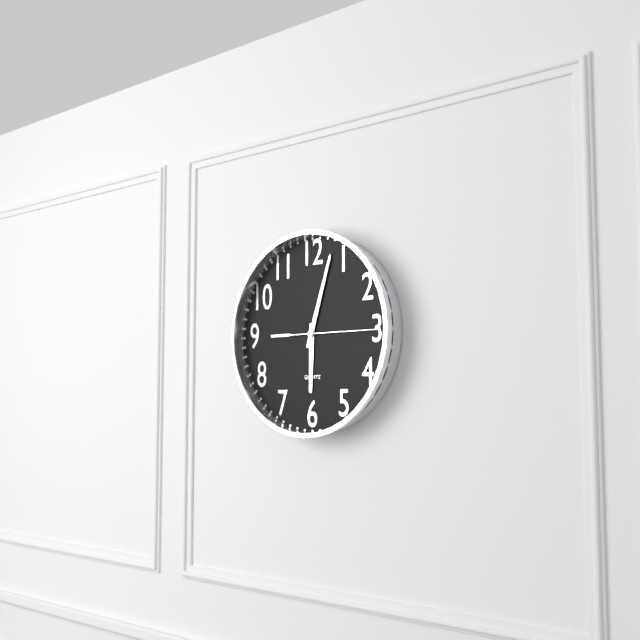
6:03:15
